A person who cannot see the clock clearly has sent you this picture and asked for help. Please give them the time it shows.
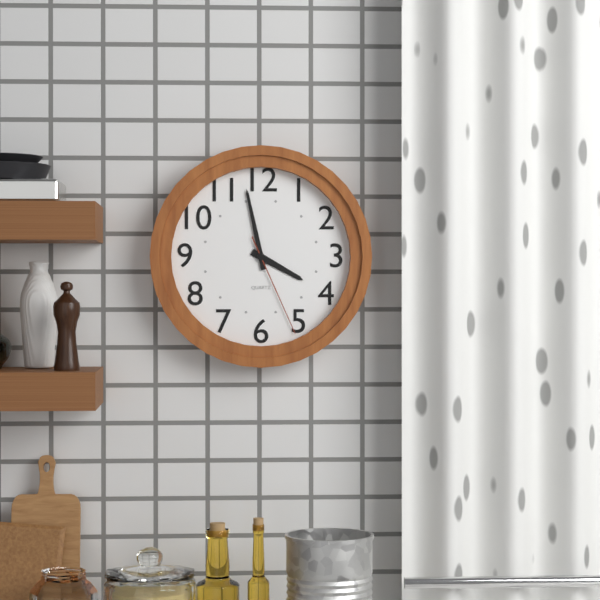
3:58:26
